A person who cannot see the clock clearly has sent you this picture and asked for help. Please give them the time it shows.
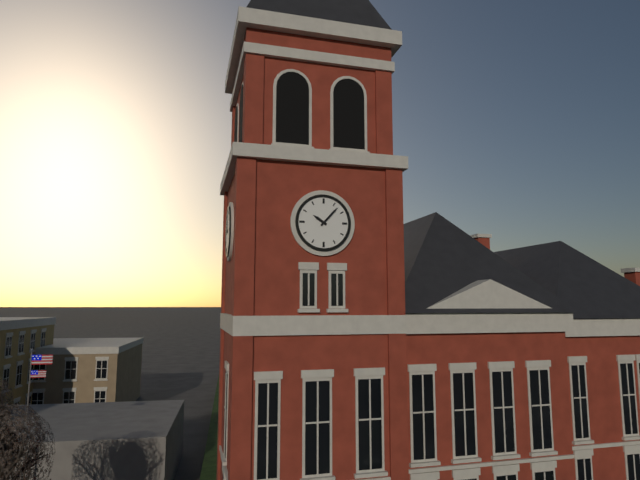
10:07
